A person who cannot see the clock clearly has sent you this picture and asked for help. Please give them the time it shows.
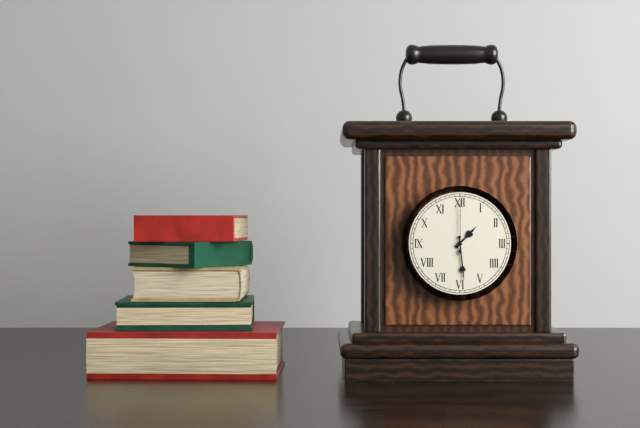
1:29:00
